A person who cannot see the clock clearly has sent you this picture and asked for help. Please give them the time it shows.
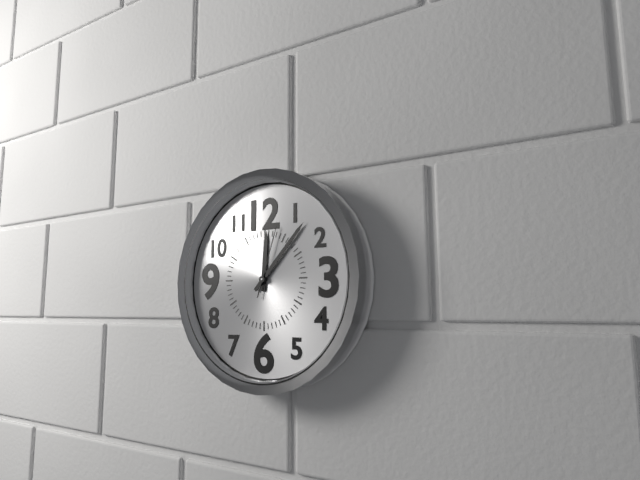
12:07:03
